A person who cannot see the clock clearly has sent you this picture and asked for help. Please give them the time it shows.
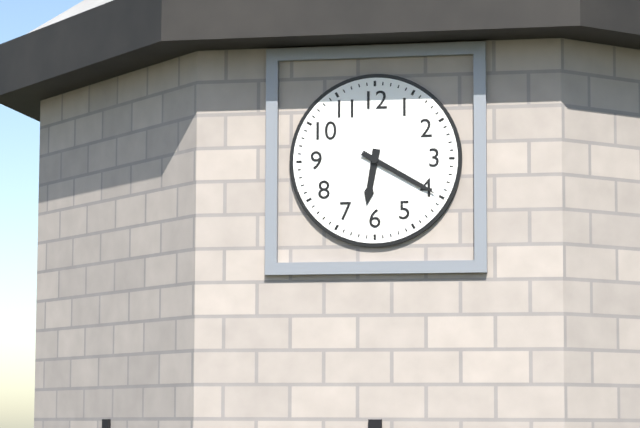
6:20
